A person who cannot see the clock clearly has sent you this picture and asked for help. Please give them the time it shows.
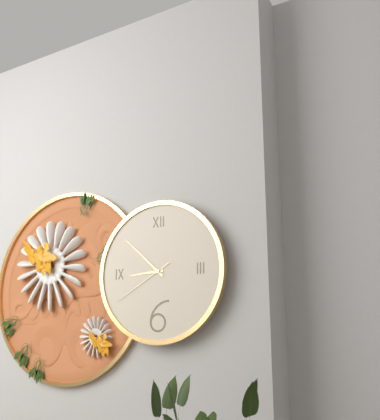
8:52:40
